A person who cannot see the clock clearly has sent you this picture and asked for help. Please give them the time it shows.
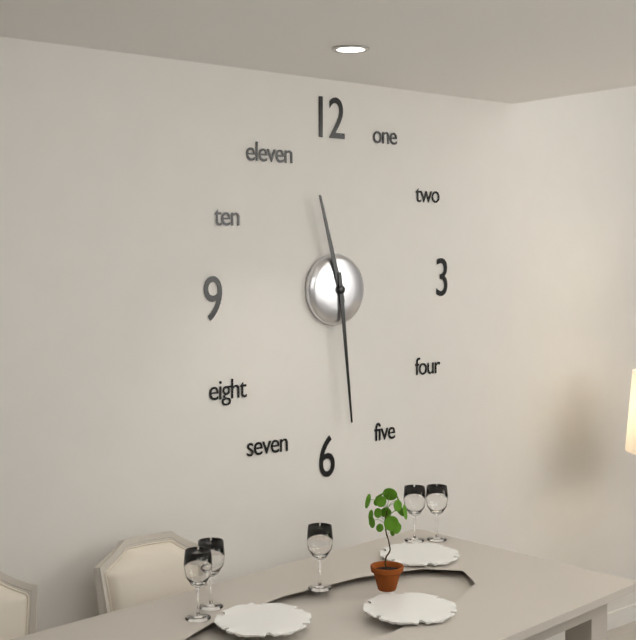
11:29
